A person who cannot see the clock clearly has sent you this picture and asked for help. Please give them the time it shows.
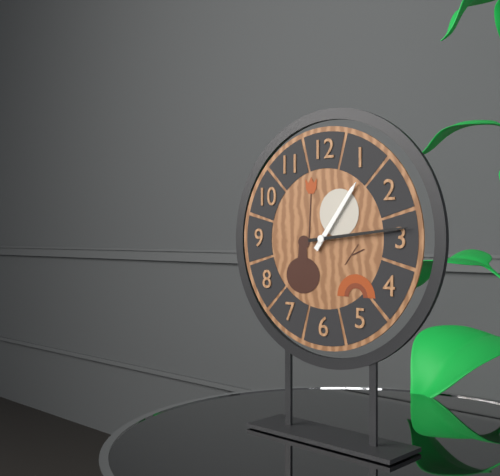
1:14
